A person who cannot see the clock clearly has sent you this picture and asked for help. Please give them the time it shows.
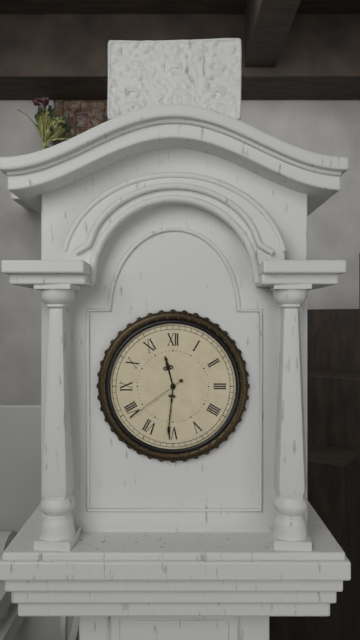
11:31:39
